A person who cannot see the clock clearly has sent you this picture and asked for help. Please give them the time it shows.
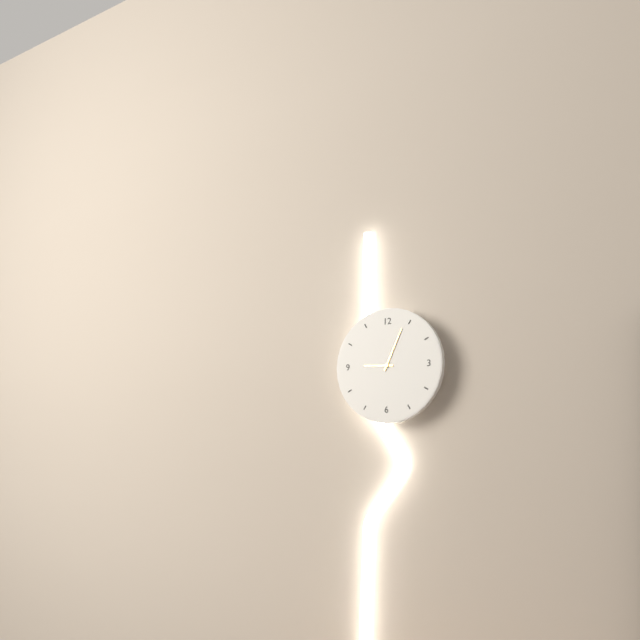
9:04
